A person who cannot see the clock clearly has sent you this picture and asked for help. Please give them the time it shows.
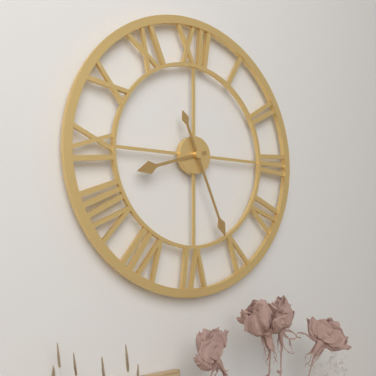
8:26
